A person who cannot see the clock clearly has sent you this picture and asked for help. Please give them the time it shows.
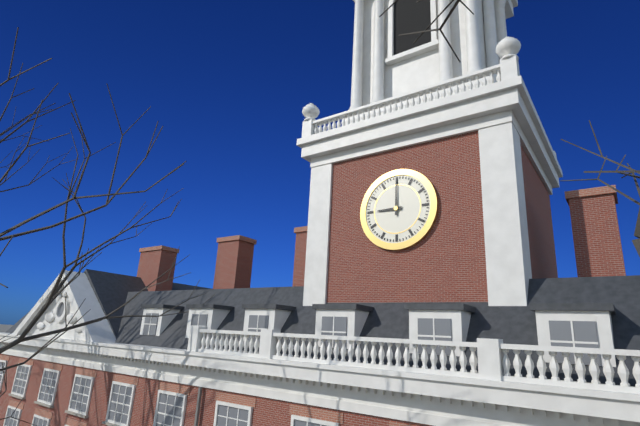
9:00
